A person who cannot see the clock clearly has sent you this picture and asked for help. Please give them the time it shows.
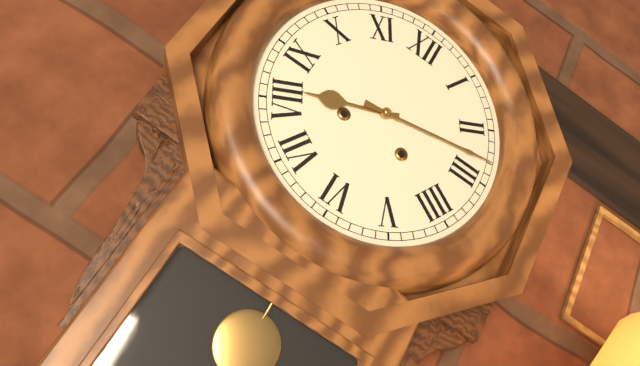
8:13
